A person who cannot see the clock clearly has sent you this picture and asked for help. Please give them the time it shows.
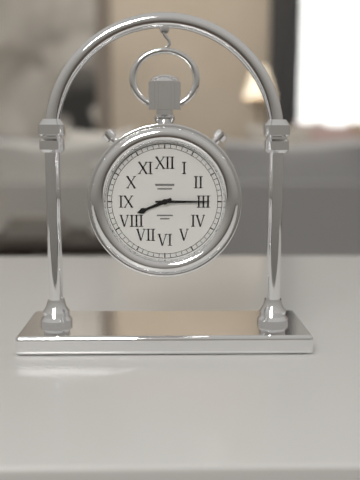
8:15
